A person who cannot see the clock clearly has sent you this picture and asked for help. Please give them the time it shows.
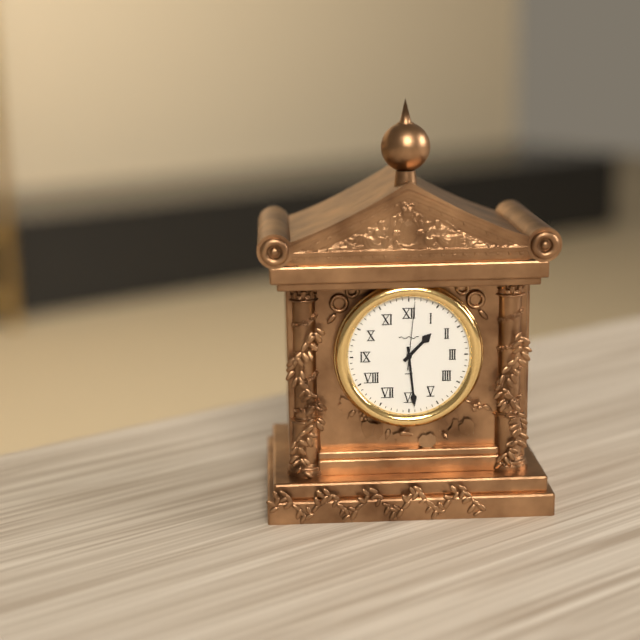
1:29:01
